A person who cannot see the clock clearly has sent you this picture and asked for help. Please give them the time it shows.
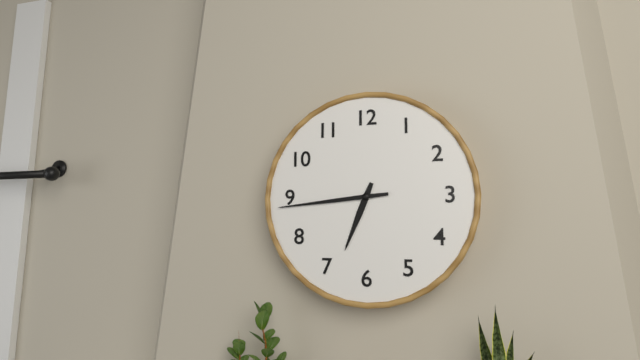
6:44
